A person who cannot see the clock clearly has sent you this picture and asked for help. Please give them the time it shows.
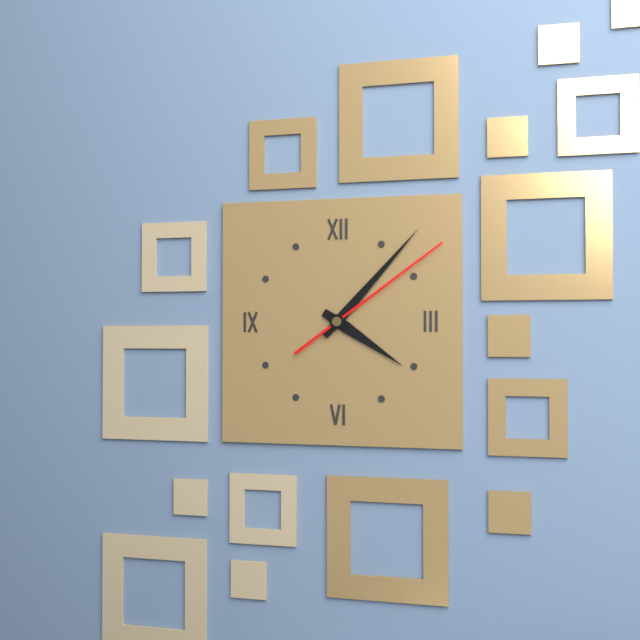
4:07:09
